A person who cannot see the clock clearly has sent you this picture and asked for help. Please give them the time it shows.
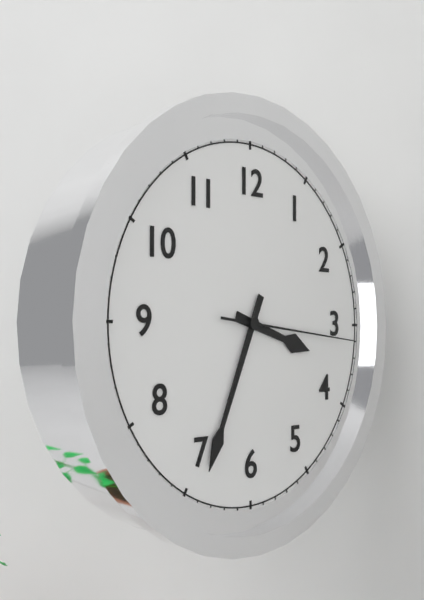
3:34:16
